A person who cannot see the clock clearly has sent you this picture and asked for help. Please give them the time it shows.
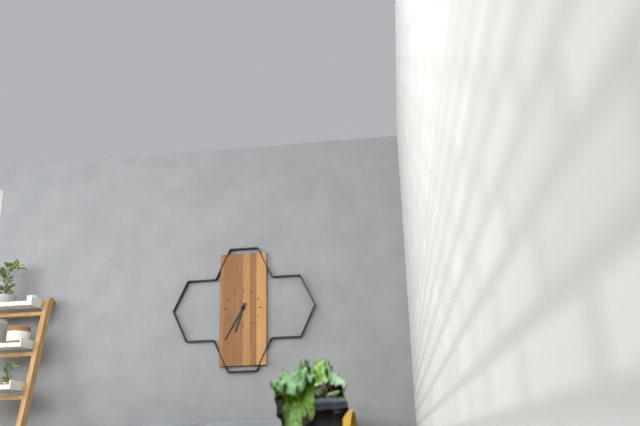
6:35
